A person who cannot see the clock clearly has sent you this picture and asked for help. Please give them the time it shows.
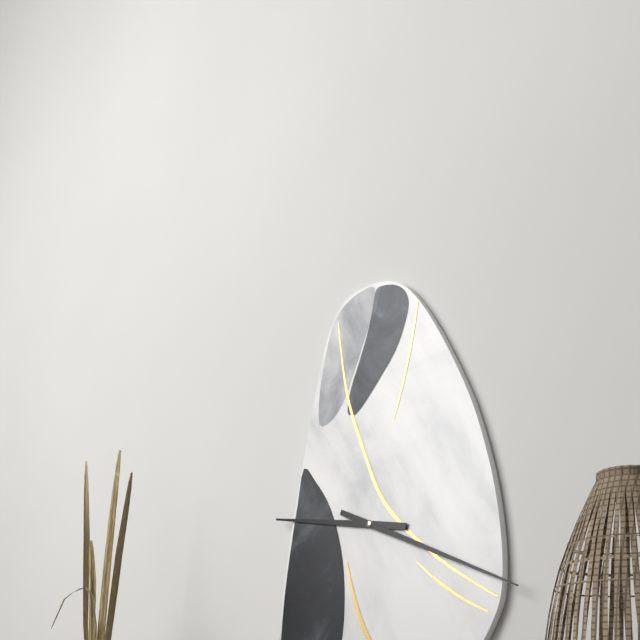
9:19
